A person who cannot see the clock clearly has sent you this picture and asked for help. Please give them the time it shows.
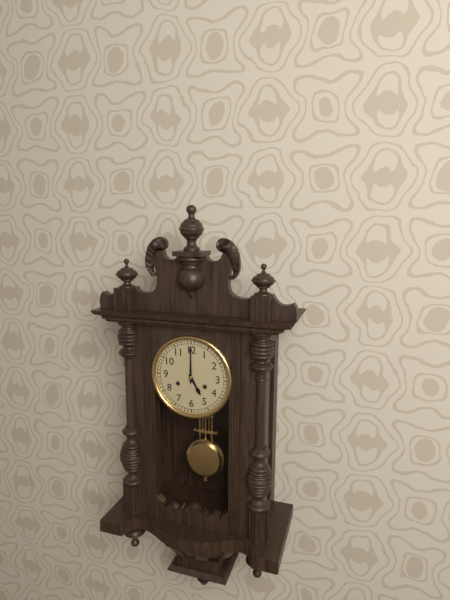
5:00
